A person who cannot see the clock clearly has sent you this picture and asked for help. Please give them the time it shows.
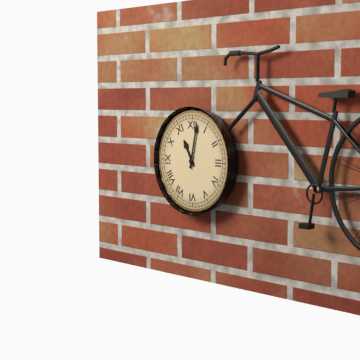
11:02
